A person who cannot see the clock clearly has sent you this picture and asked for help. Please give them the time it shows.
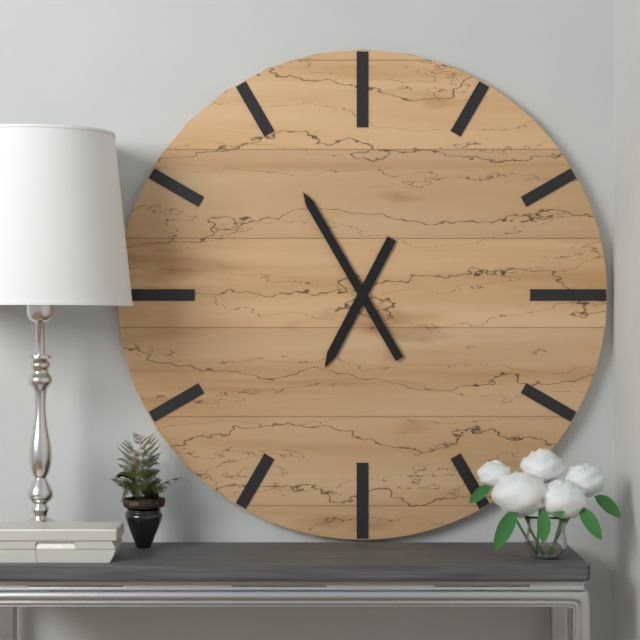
6:55
